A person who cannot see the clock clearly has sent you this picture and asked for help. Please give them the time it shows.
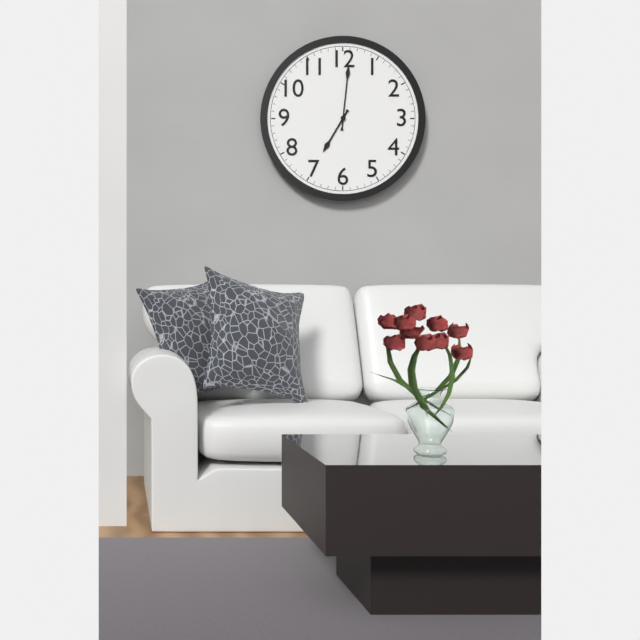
7:01
